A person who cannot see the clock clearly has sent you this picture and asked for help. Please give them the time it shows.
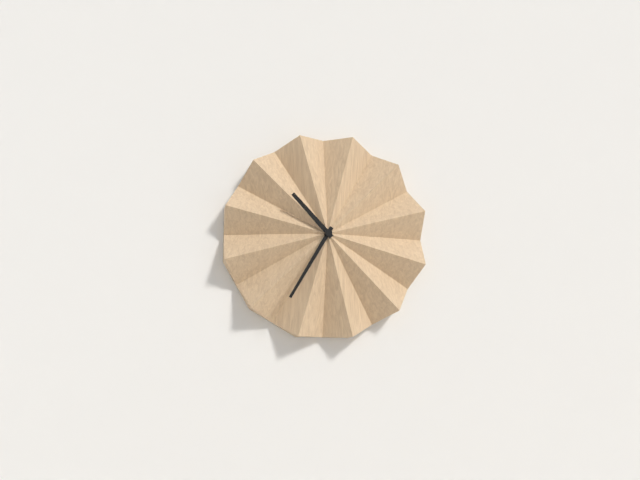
10:35
